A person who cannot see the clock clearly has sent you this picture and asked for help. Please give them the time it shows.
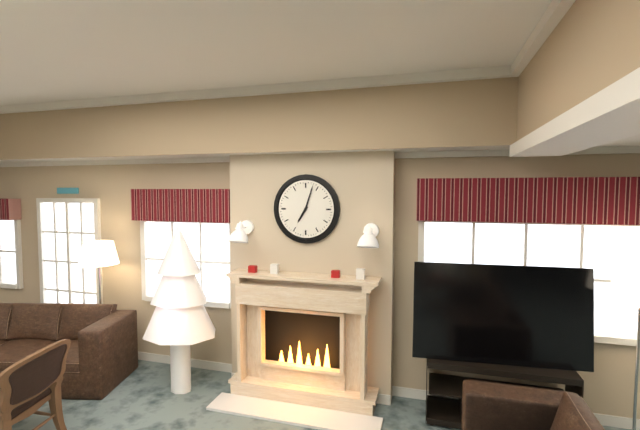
7:03
